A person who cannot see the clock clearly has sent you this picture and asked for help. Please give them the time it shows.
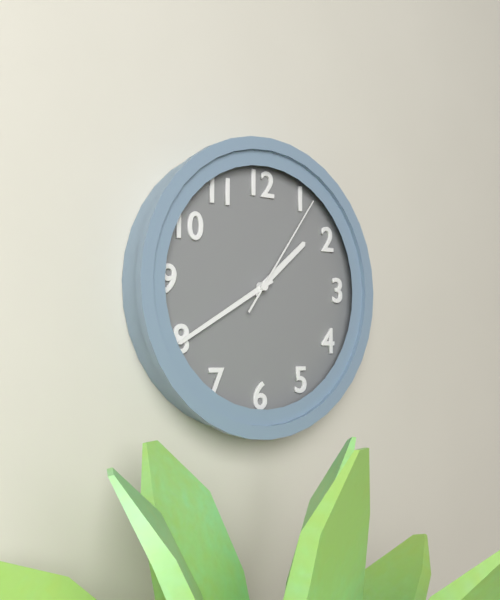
1:40:06
